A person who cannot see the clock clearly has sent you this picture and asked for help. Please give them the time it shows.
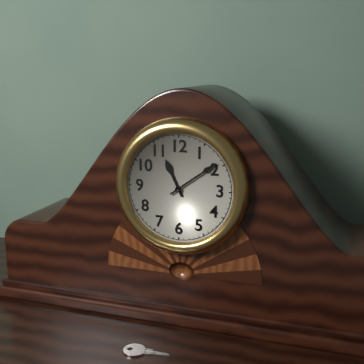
11:09
